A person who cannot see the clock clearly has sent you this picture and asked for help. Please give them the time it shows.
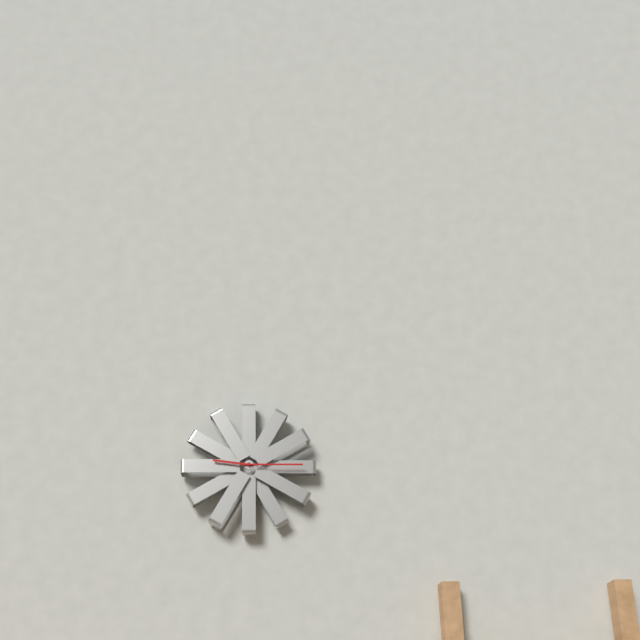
9:15
